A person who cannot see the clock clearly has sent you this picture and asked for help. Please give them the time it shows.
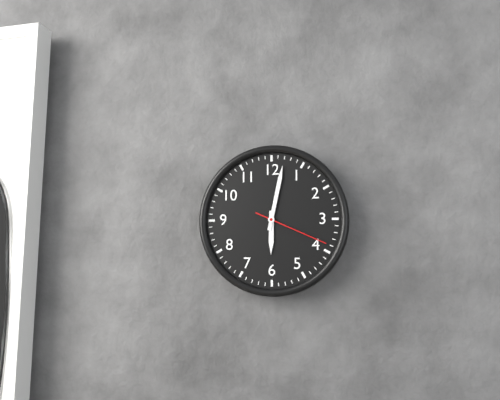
6:02:19
